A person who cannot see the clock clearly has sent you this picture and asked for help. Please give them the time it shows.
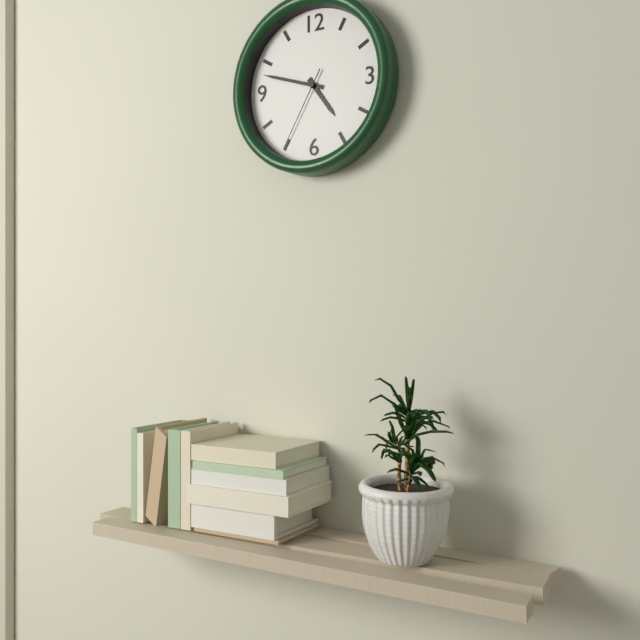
4:48:35
